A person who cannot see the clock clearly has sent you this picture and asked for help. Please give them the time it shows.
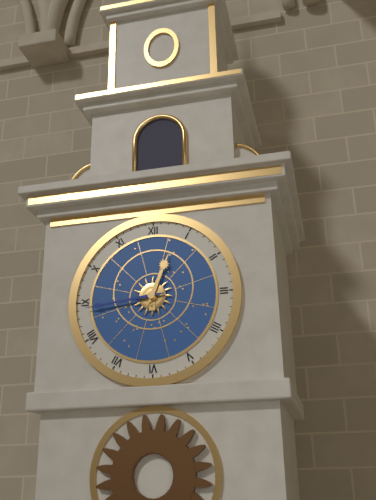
12:44
